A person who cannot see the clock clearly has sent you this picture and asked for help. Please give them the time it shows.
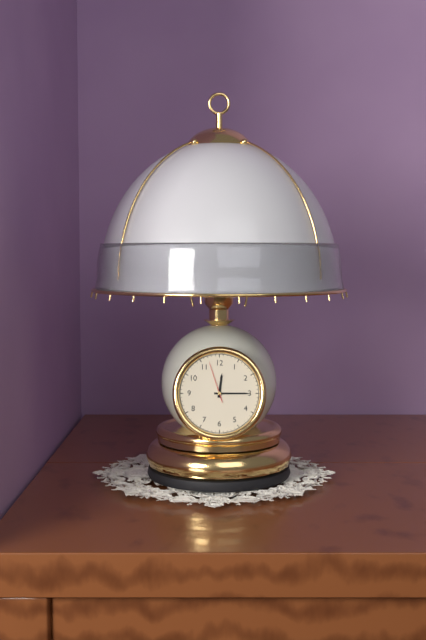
12:15
